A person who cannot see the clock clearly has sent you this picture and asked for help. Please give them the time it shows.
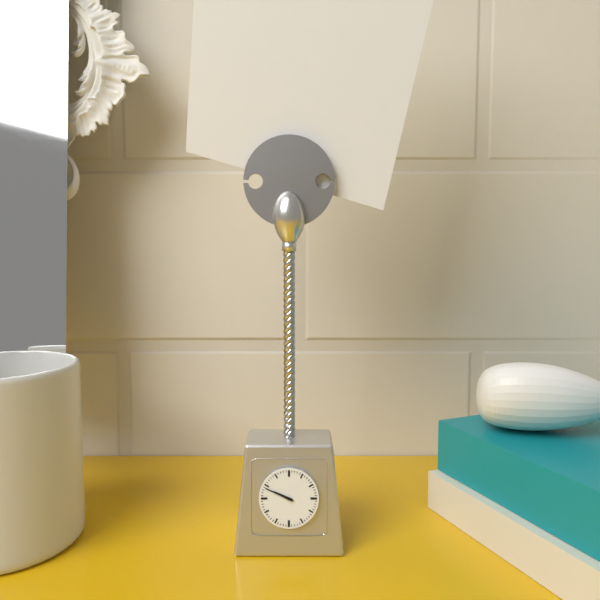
9:49
